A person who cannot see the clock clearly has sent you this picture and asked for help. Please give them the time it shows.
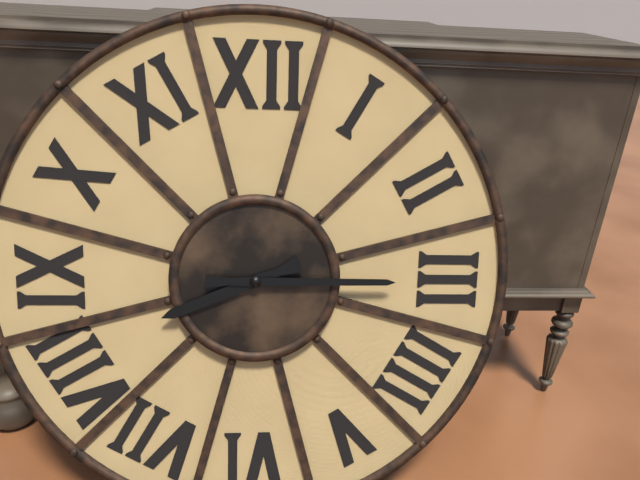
8:15
